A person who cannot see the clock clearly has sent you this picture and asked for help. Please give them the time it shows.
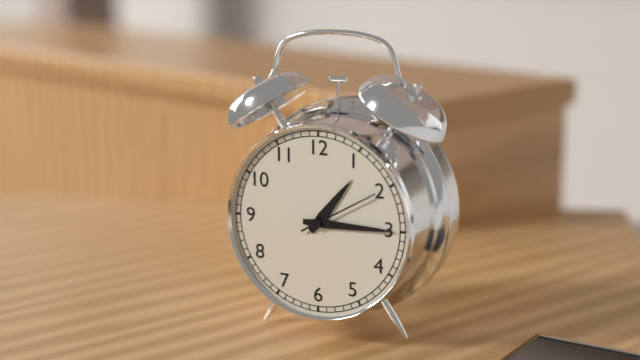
1:15:10
